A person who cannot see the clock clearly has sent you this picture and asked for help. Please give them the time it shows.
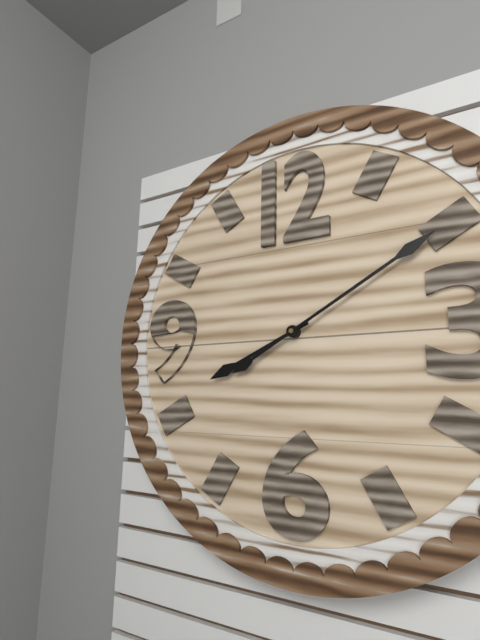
8:10
